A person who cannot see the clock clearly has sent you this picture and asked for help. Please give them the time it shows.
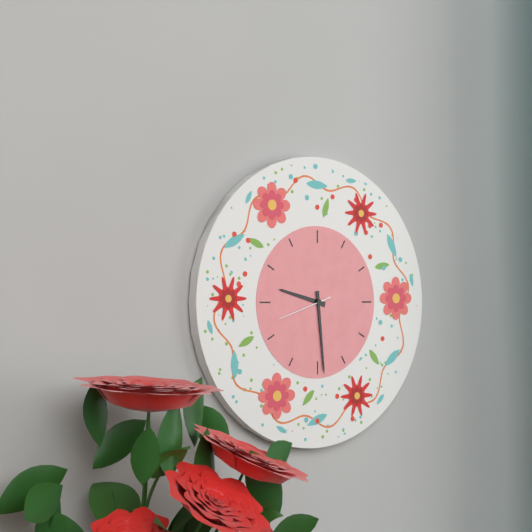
9:29:42
